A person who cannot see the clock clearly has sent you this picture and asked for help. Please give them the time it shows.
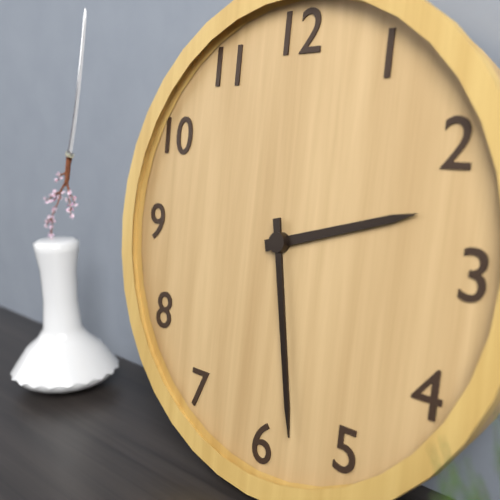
2:28
